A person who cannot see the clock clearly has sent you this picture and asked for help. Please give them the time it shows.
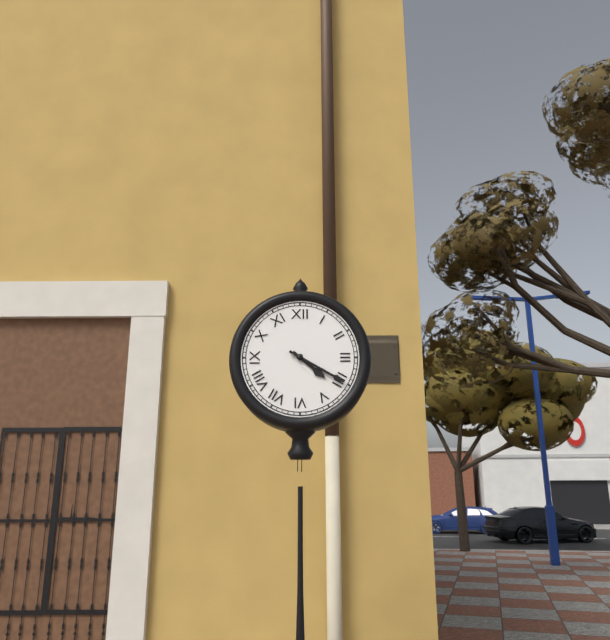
4:20
